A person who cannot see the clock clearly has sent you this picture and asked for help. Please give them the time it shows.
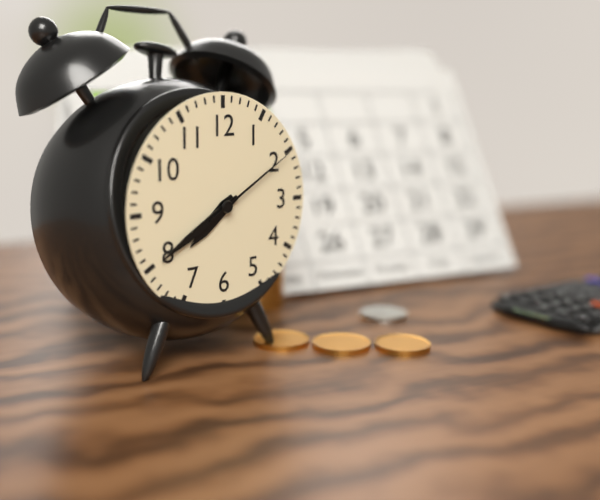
7:40:10
